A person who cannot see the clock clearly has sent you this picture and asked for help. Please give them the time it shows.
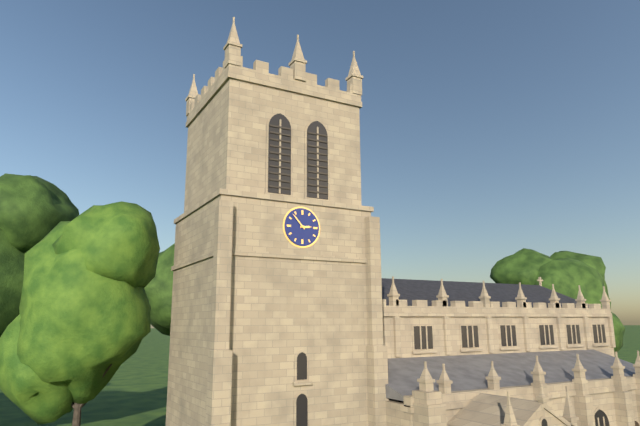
2:53
